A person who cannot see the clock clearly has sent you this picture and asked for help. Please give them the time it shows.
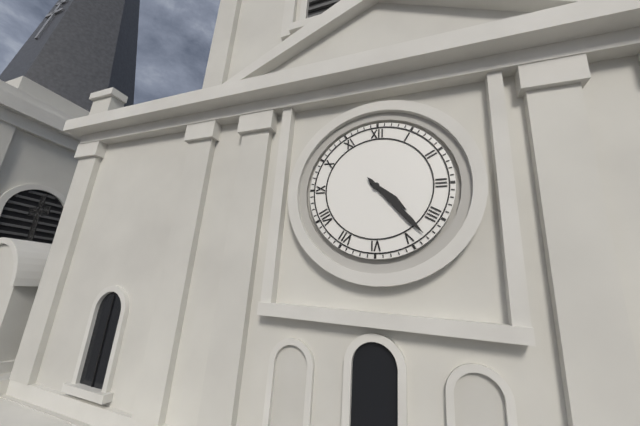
4:23
